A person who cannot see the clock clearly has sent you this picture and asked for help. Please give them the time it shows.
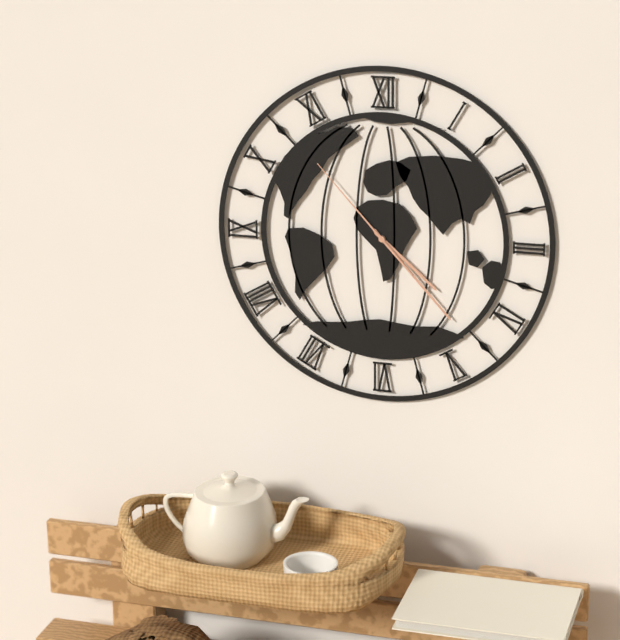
4:23:53
